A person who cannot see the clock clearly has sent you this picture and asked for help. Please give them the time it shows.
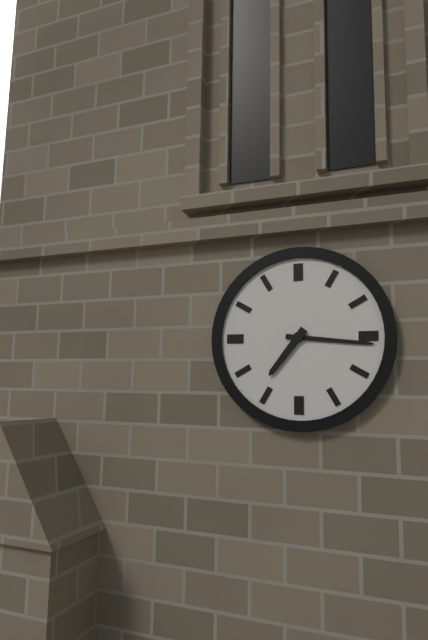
7:16
